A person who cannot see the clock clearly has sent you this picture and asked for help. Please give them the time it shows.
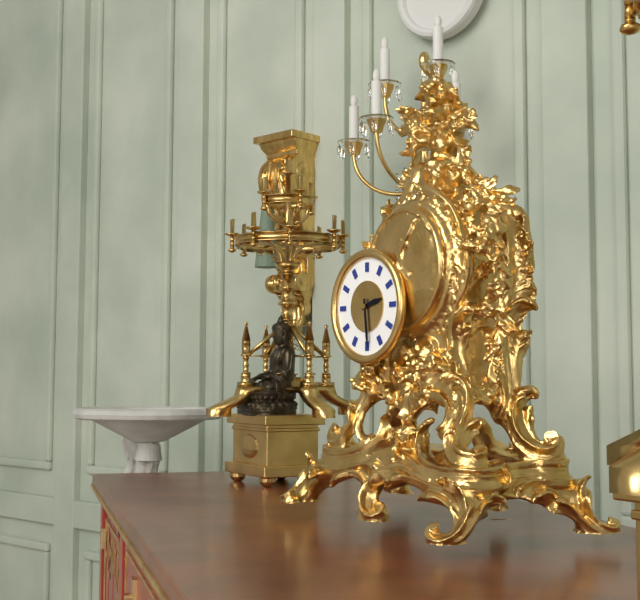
2:29
